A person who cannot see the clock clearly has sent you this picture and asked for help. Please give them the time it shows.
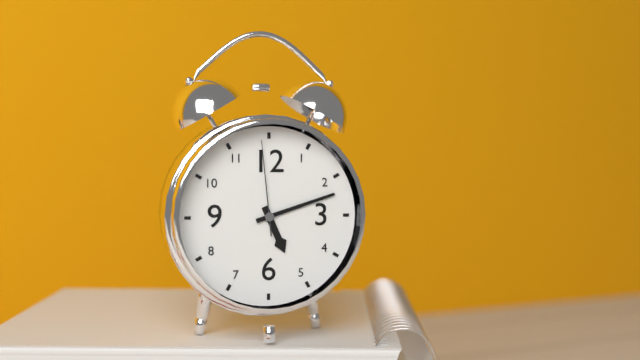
5:12:59
